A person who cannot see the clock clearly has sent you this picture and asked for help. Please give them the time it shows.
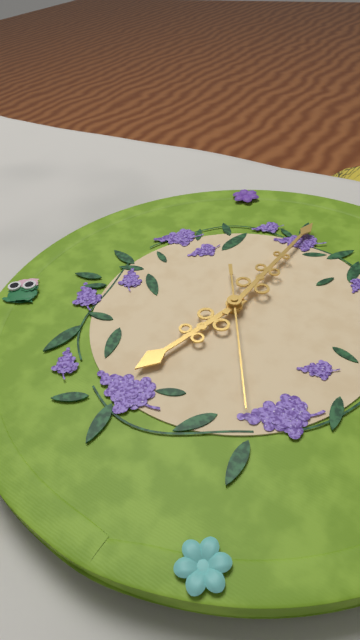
7:03:27
